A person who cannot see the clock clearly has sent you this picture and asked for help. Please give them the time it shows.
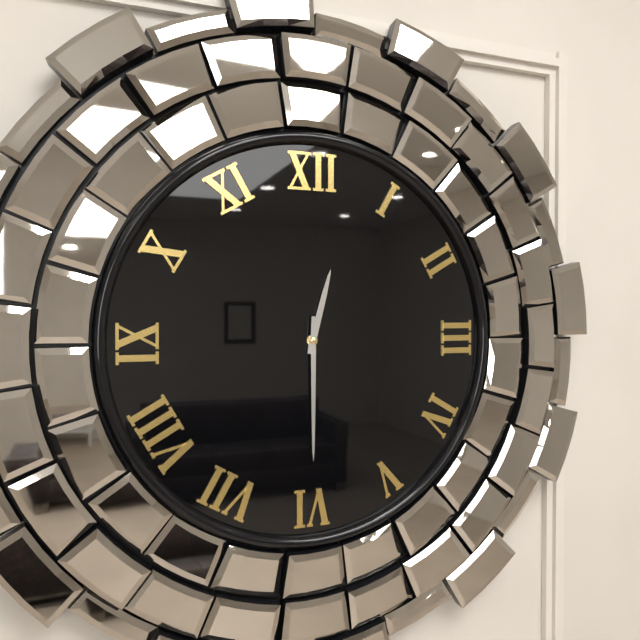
12:30
